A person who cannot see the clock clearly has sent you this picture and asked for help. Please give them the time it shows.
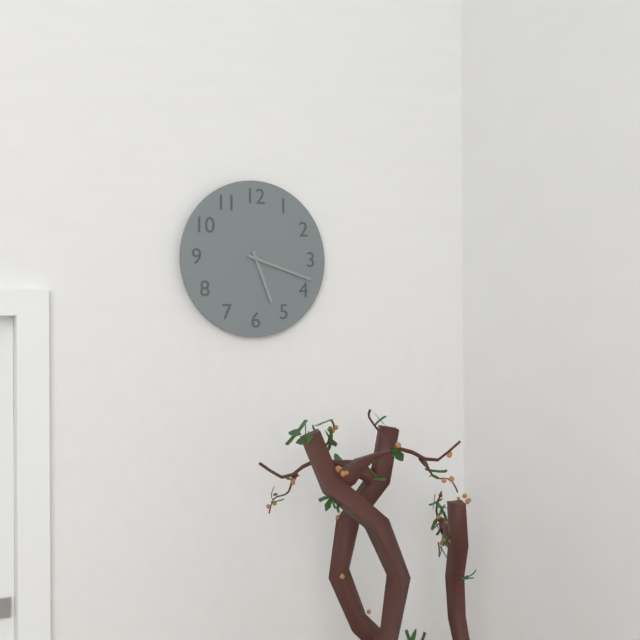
5:18
